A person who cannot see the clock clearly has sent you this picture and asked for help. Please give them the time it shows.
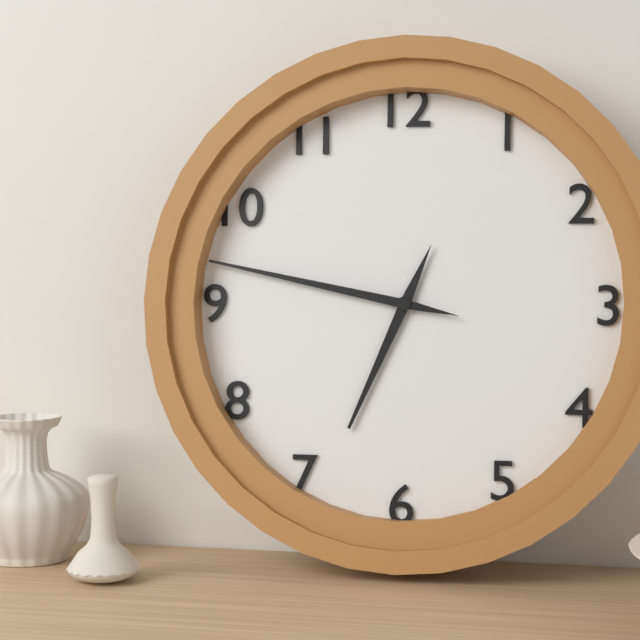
6:47
